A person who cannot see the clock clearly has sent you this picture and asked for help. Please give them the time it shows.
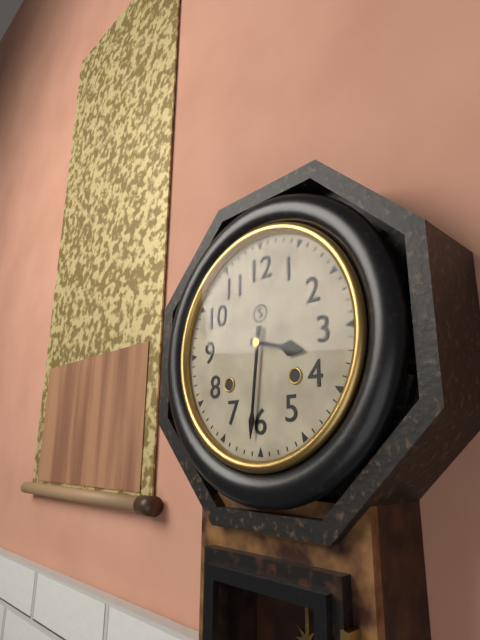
3:31
